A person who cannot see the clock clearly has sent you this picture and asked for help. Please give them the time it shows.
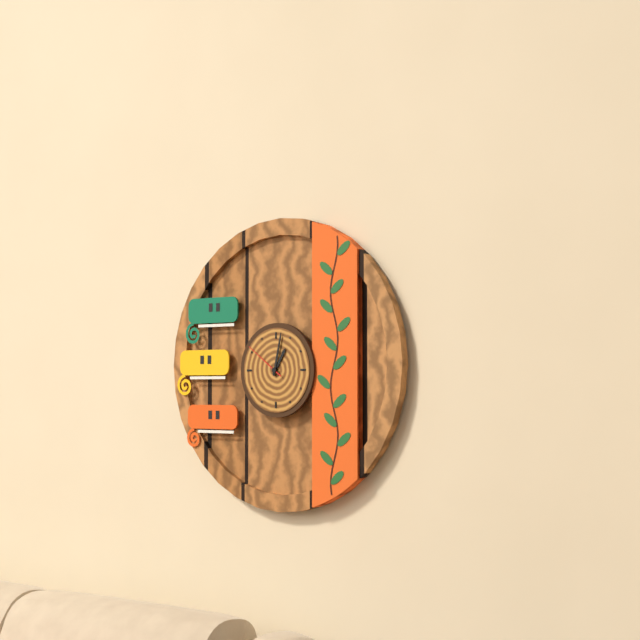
1:02
